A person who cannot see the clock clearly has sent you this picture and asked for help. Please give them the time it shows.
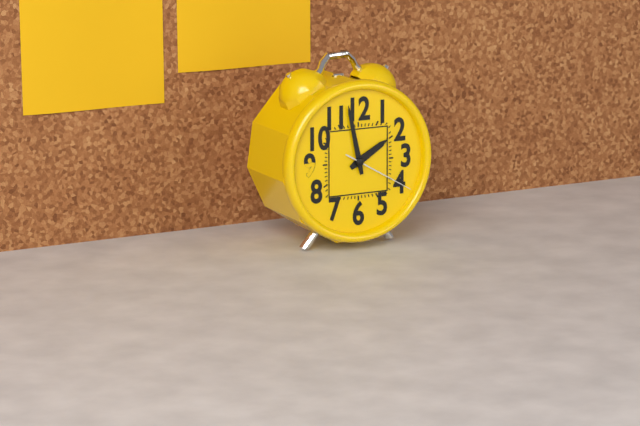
1:58:20
